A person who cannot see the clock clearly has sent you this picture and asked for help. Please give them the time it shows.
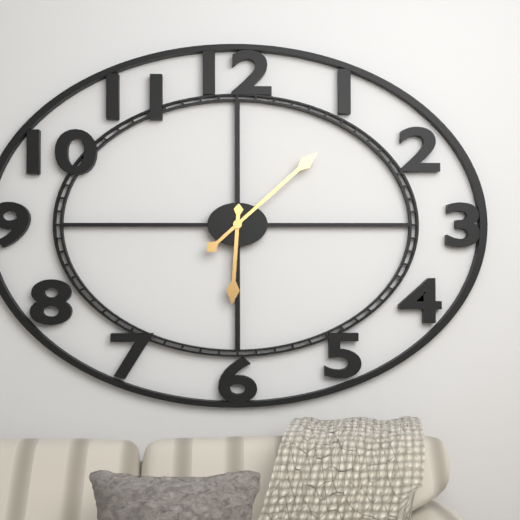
6:08
